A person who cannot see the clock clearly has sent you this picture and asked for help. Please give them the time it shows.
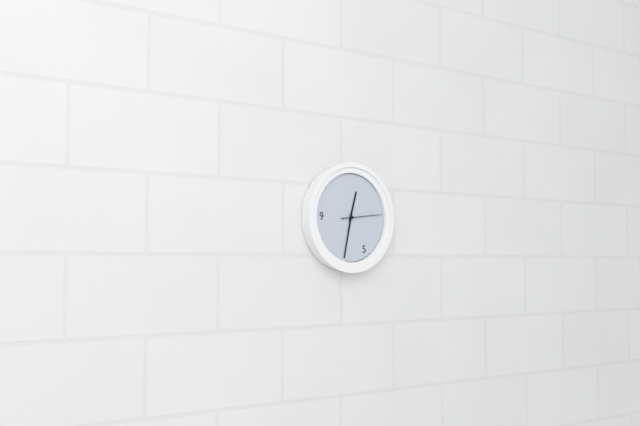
12:32
